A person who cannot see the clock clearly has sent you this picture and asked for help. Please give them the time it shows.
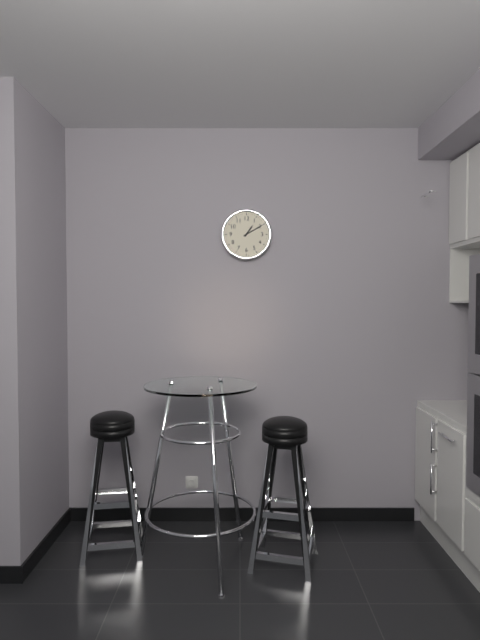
1:10
